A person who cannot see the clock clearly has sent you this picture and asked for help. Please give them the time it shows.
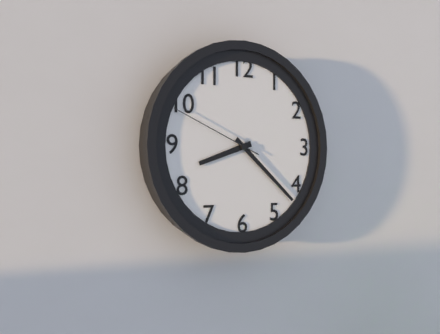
8:22:49
